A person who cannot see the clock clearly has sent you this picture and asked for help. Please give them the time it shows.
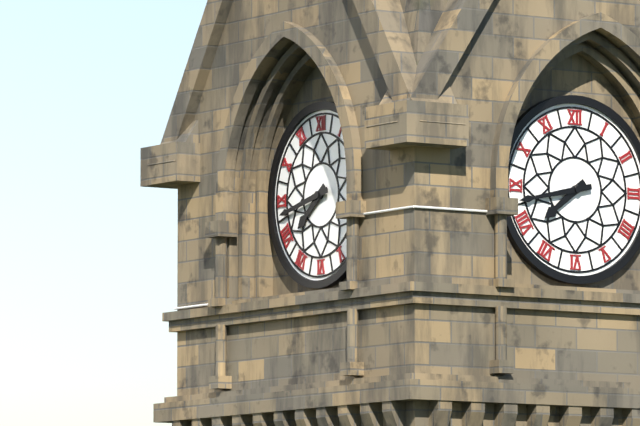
7:43
